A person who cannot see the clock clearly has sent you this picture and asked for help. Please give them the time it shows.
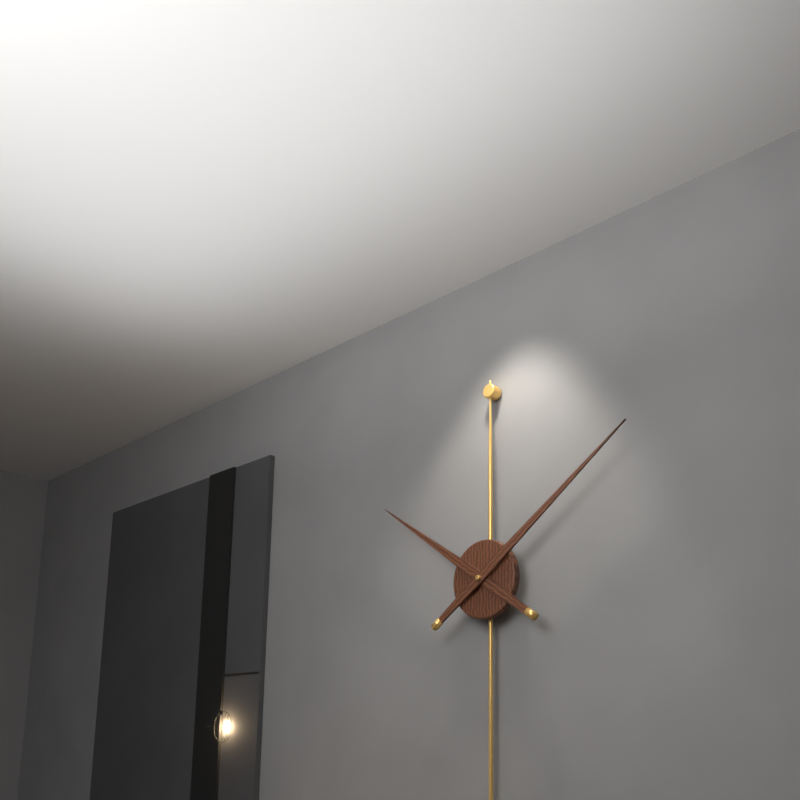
10:09
